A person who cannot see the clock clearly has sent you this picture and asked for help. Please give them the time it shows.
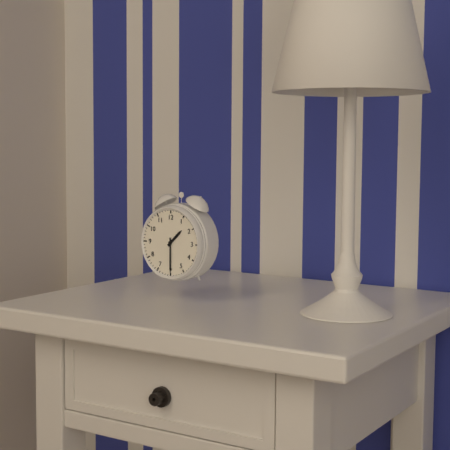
1:30
